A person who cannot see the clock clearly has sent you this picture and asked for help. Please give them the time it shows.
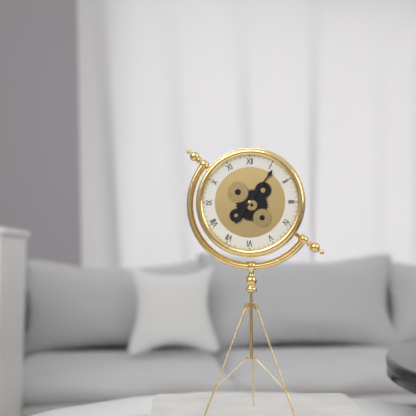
7:06
